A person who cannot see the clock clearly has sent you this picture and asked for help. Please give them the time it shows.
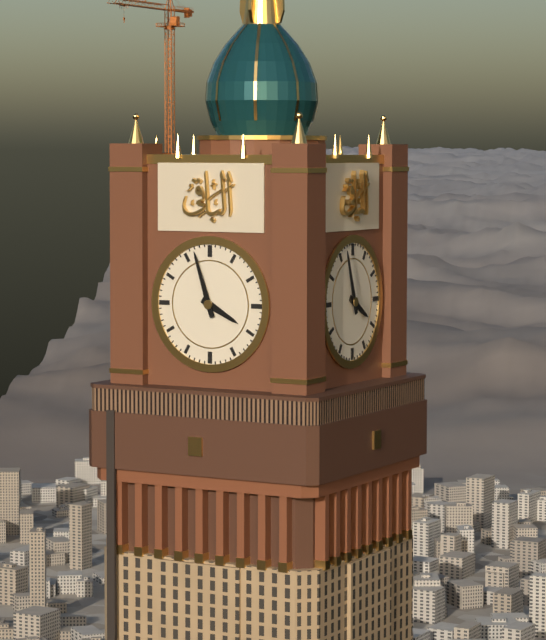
3:57
